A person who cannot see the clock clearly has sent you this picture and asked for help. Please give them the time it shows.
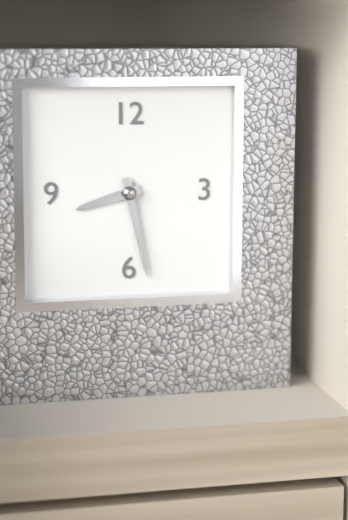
8:28
